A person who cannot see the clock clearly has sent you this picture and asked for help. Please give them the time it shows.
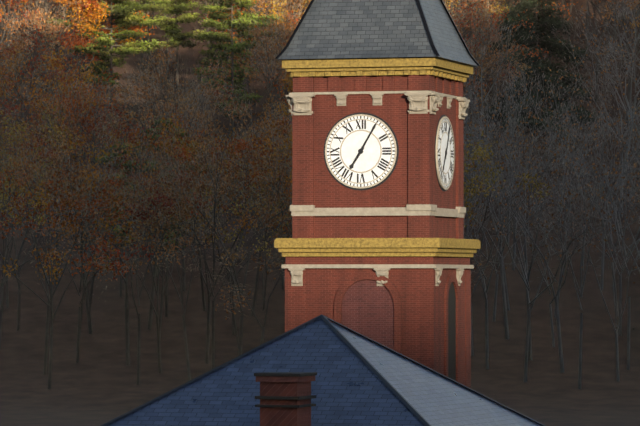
7:05
